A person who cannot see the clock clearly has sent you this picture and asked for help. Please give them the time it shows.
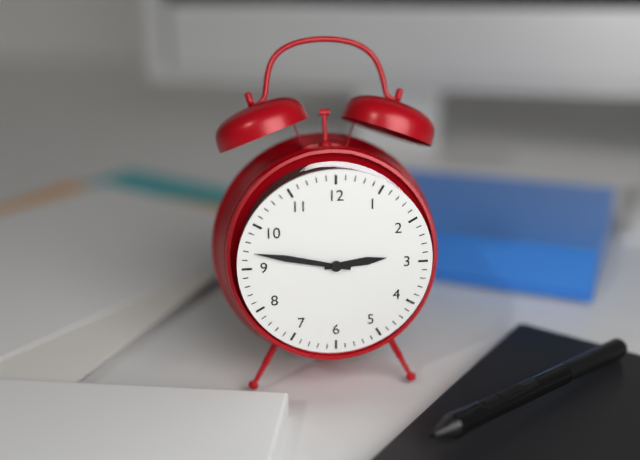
2:47
